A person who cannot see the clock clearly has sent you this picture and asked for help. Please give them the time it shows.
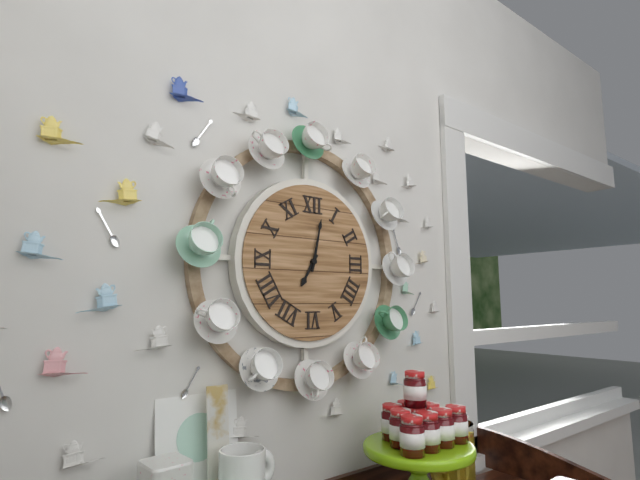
7:02
